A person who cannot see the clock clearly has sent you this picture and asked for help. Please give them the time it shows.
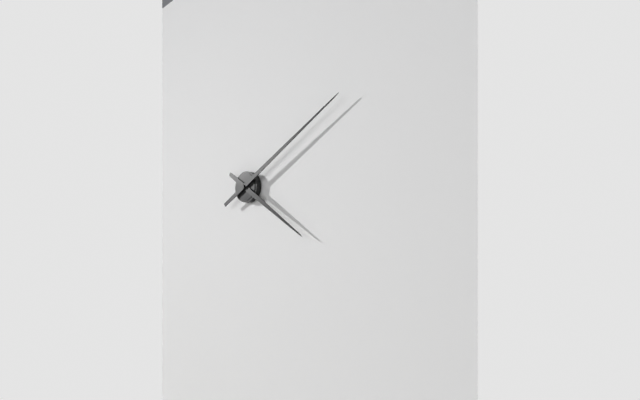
4:10
